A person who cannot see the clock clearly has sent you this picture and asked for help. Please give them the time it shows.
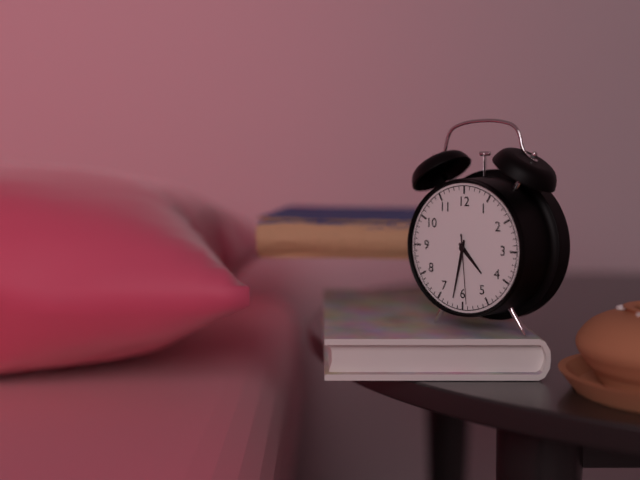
4:32:29
